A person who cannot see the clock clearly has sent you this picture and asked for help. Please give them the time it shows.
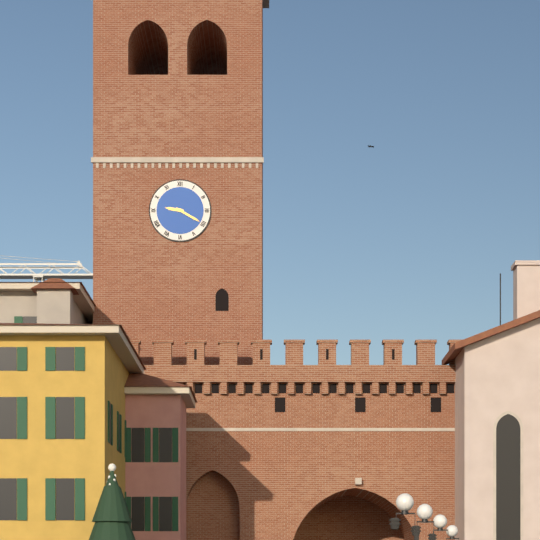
9:20
